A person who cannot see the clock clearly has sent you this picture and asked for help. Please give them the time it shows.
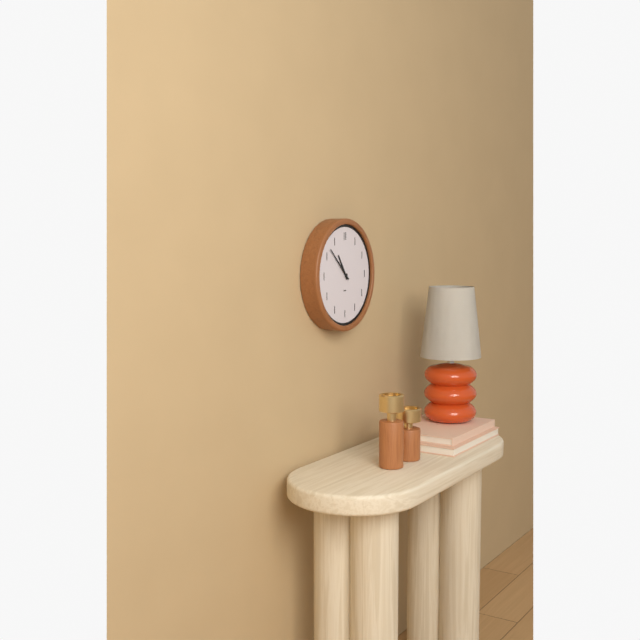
10:52
